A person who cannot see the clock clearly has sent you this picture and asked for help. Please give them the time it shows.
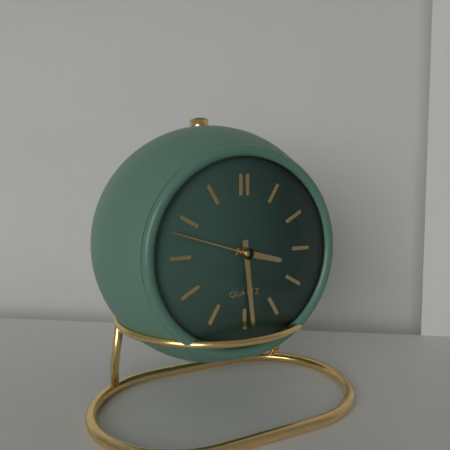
3:29:48
